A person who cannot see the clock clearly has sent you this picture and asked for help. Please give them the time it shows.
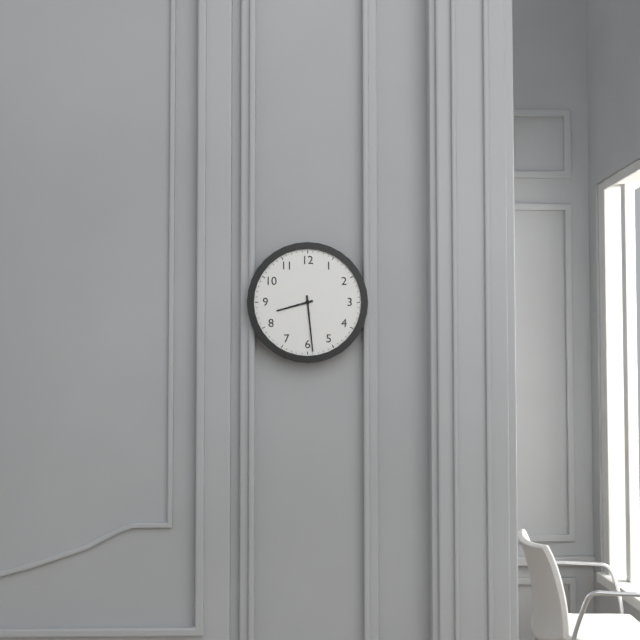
8:29
